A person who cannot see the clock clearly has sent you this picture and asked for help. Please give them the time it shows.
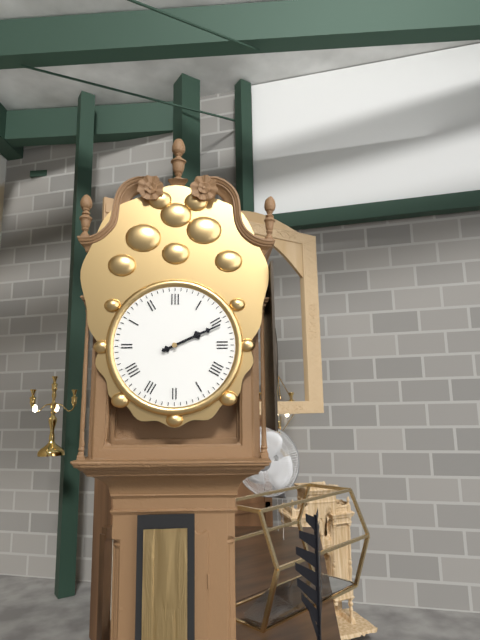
2:11
